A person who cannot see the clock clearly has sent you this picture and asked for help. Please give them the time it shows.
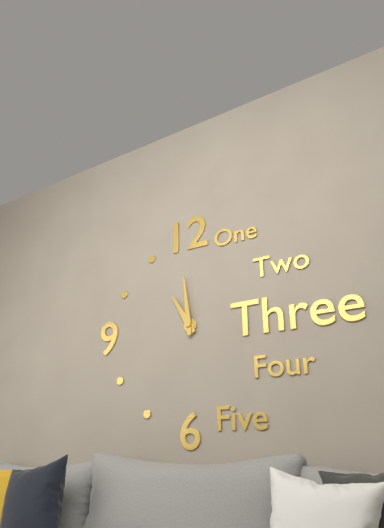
10:59
